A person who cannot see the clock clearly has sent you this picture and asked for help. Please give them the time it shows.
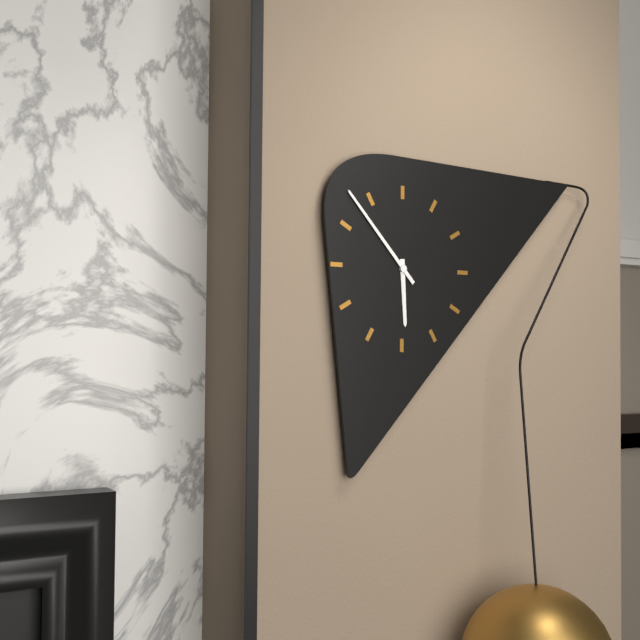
5:53
